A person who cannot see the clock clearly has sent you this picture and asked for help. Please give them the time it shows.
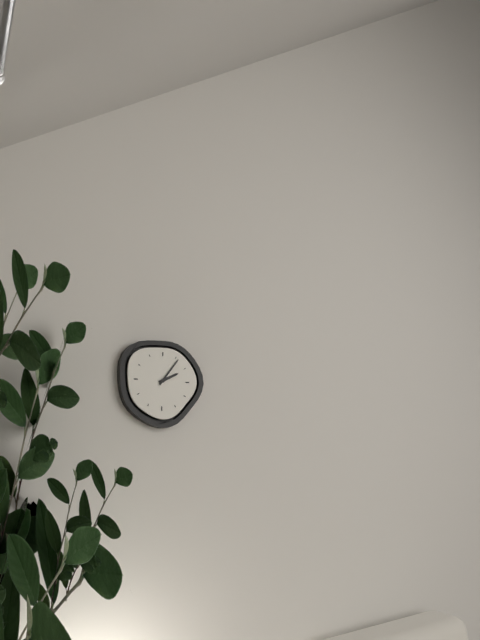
2:06
